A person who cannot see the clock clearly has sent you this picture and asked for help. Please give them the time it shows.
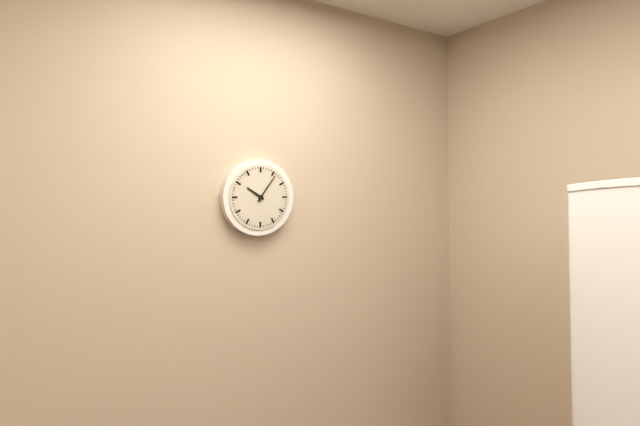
10:06
